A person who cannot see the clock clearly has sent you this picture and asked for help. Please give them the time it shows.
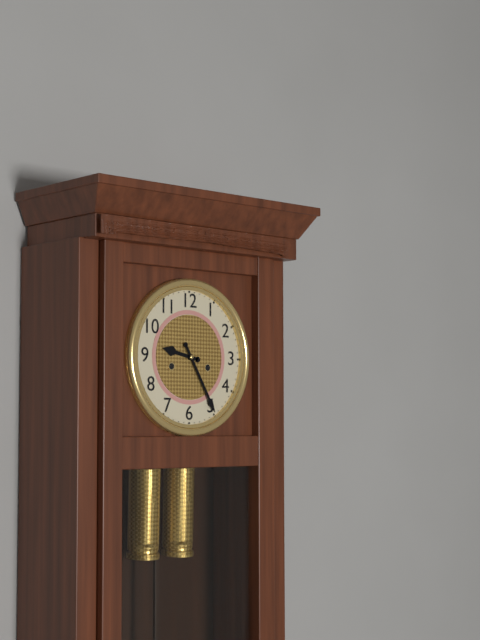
9:25
